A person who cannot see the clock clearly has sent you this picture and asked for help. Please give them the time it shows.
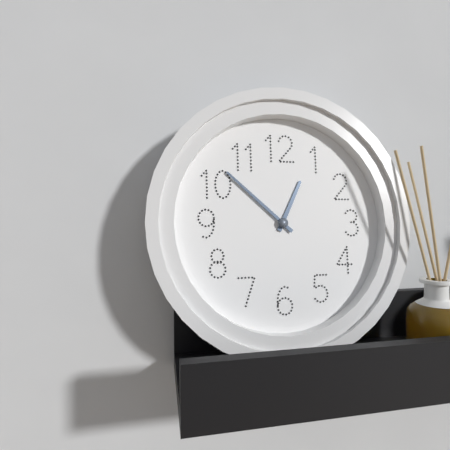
12:52
